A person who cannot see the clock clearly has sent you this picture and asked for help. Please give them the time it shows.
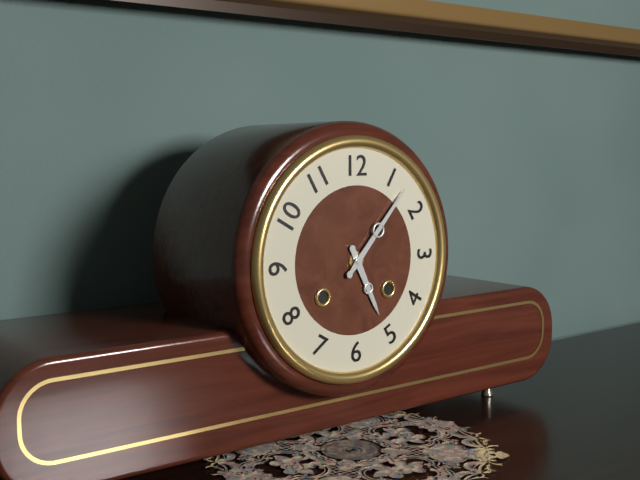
5:07
